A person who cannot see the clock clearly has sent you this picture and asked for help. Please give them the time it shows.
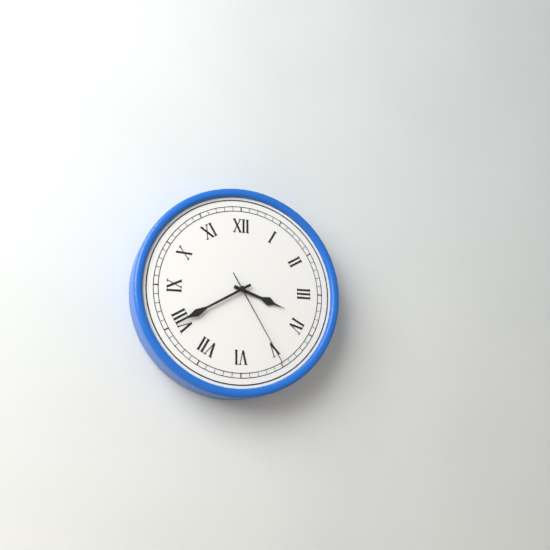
3:40:25
